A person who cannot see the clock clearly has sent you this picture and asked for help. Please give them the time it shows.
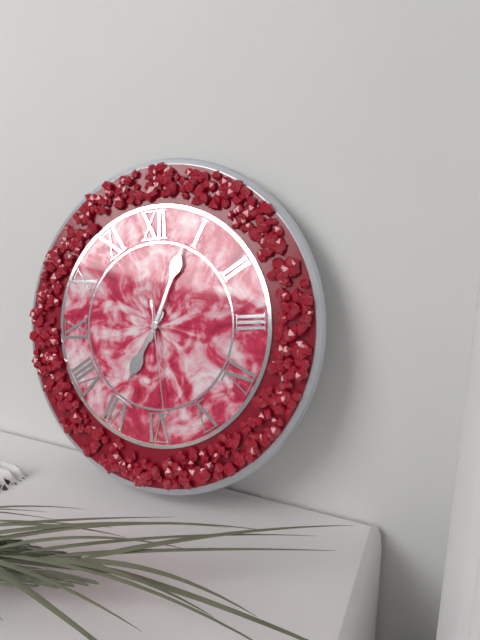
7:04:29
